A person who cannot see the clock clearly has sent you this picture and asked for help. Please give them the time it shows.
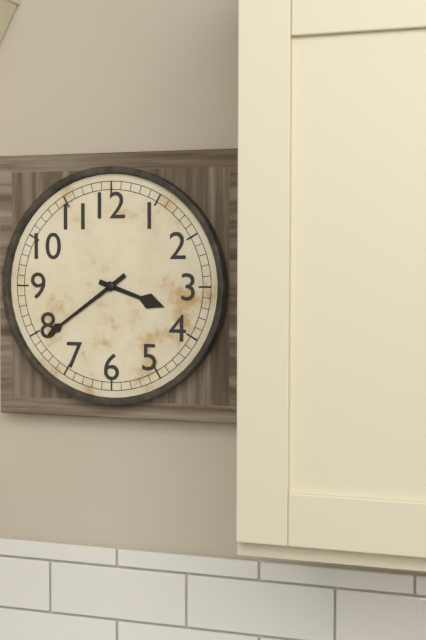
3:39
